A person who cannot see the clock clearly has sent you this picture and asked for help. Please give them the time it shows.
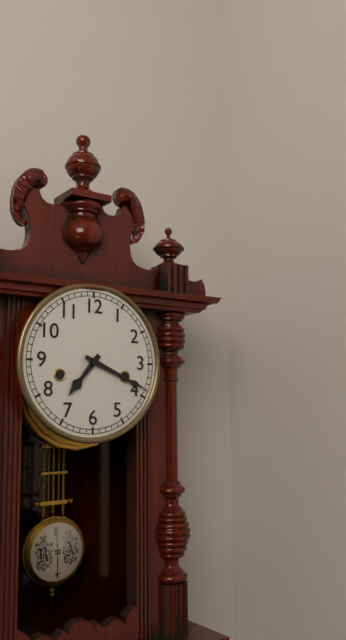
7:19
